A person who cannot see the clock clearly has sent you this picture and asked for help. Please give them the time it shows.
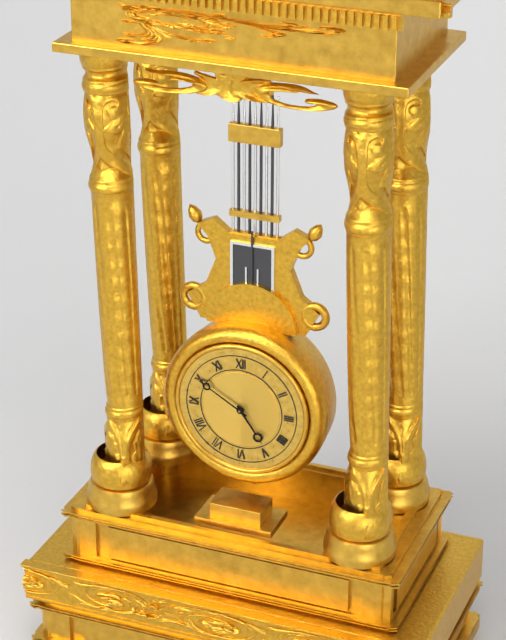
4:50
